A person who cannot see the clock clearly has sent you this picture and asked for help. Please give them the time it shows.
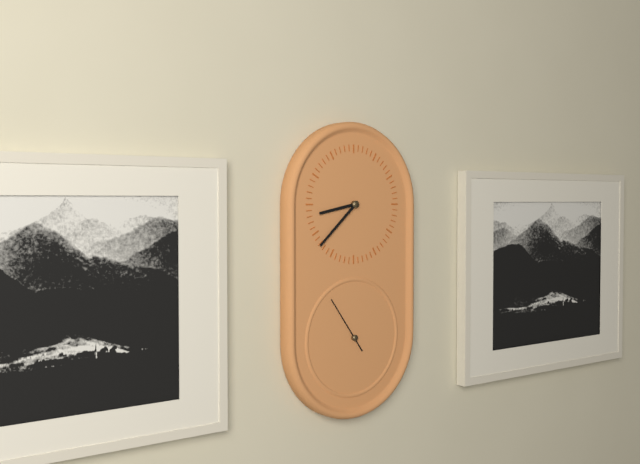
8:38:54
